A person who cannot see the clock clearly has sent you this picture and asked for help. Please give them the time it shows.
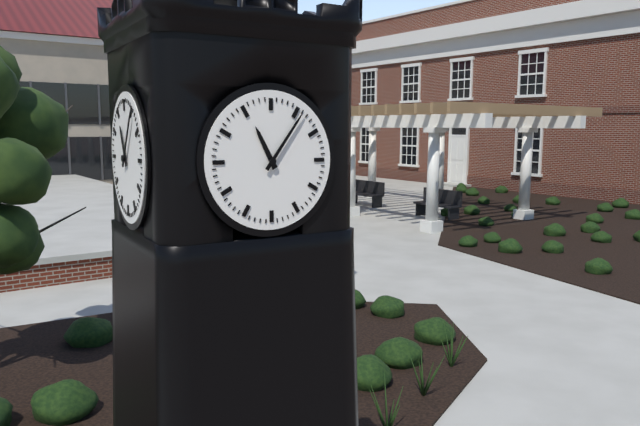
11:06
